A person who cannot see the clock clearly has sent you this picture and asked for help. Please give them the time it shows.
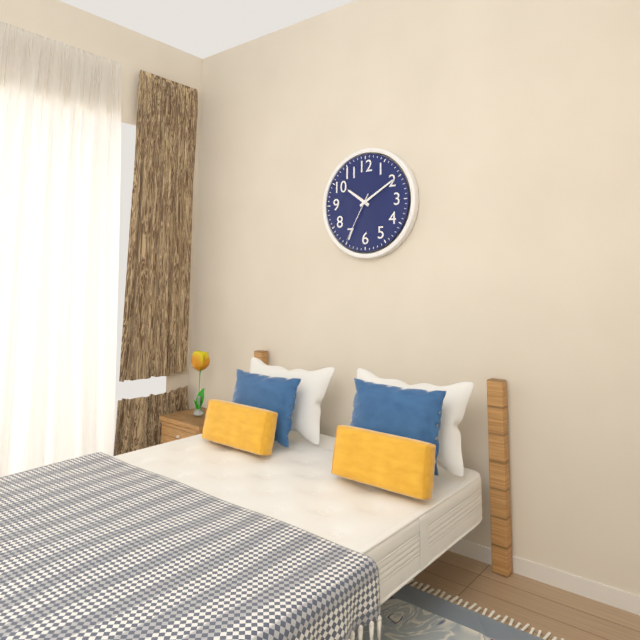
10:10:35
